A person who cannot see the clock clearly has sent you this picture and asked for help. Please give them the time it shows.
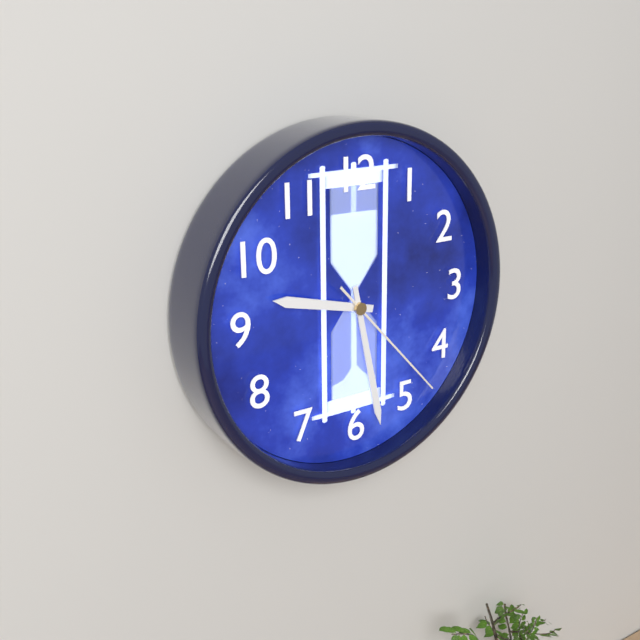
9:28:23
